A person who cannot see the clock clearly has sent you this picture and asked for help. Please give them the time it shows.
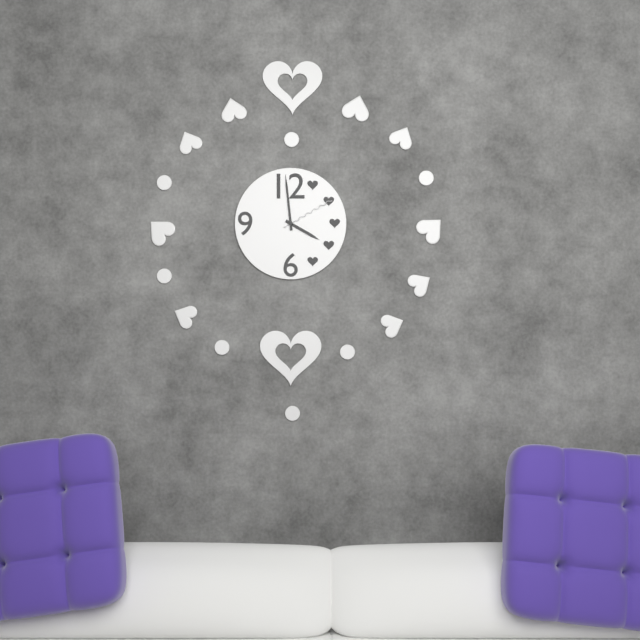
3:59:10
